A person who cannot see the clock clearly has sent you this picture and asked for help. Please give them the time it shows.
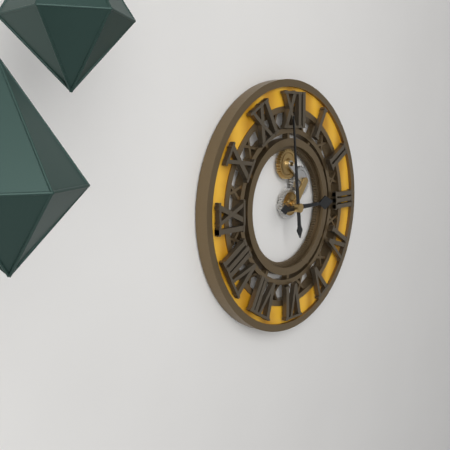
2:59
